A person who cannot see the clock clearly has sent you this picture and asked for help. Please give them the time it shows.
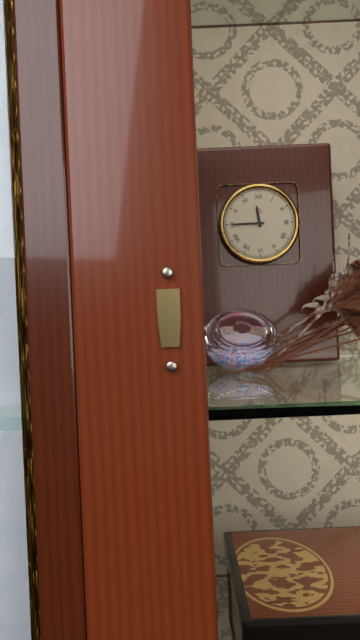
11:45
